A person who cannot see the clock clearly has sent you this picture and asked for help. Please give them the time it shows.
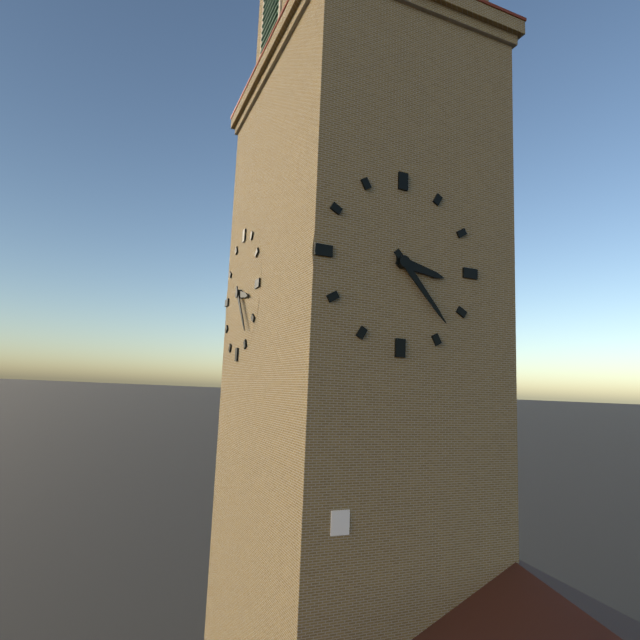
3:23
